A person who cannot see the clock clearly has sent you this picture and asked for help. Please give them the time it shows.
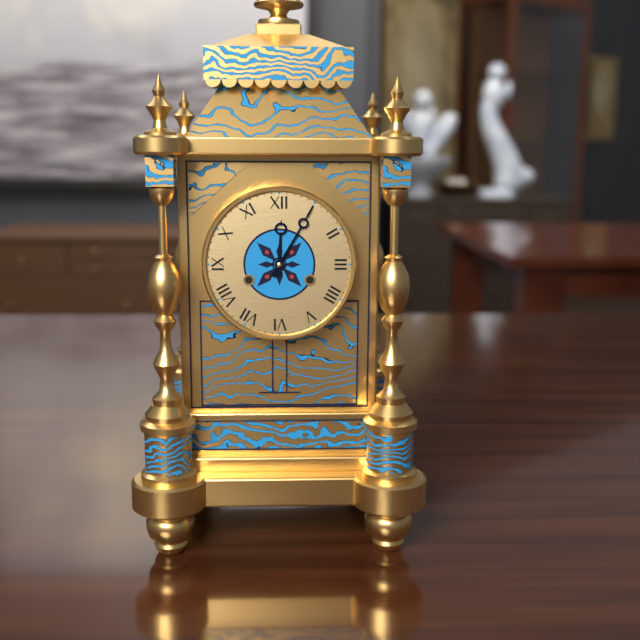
12:05
